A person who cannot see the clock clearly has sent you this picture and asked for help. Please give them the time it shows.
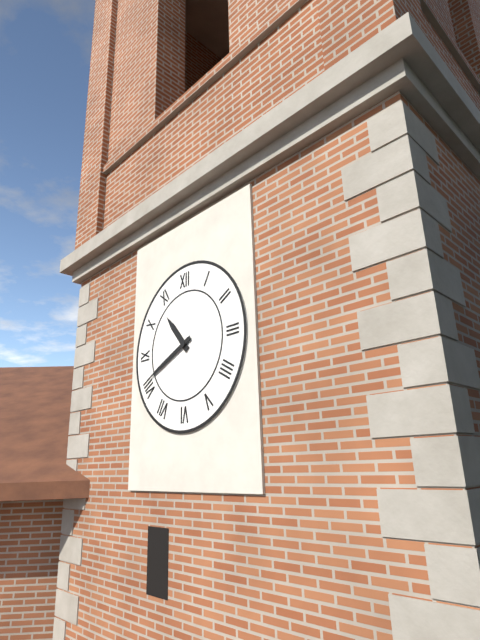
10:41
